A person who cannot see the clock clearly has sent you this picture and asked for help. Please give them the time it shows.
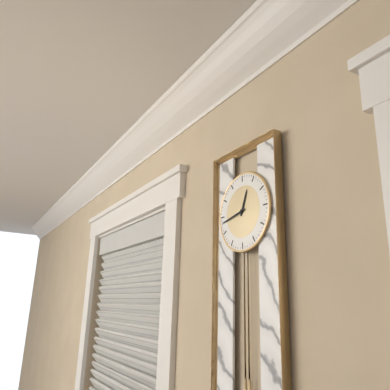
12:43
